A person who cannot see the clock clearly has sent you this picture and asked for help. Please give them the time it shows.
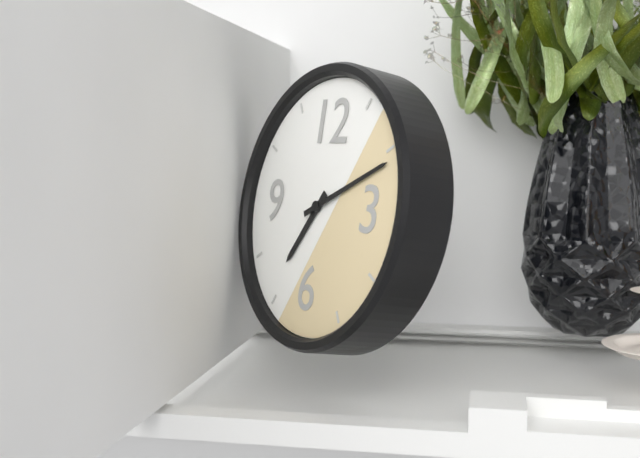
7:11
